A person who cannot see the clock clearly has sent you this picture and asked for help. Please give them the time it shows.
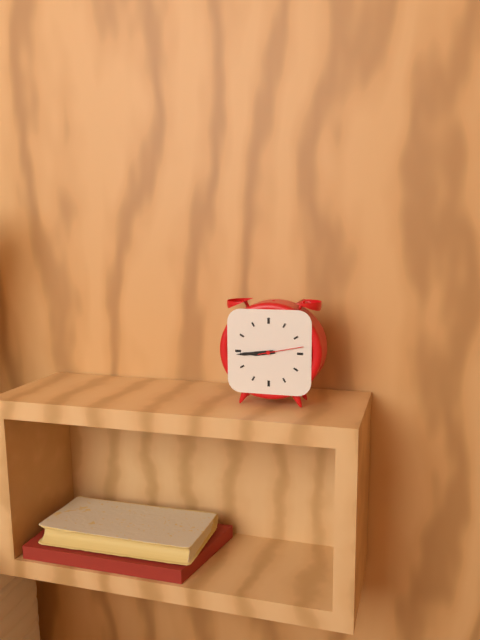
8:44
